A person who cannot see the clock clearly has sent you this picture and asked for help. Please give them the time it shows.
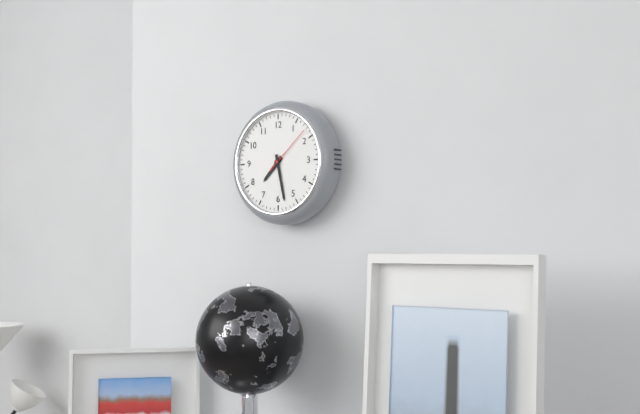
7:28
